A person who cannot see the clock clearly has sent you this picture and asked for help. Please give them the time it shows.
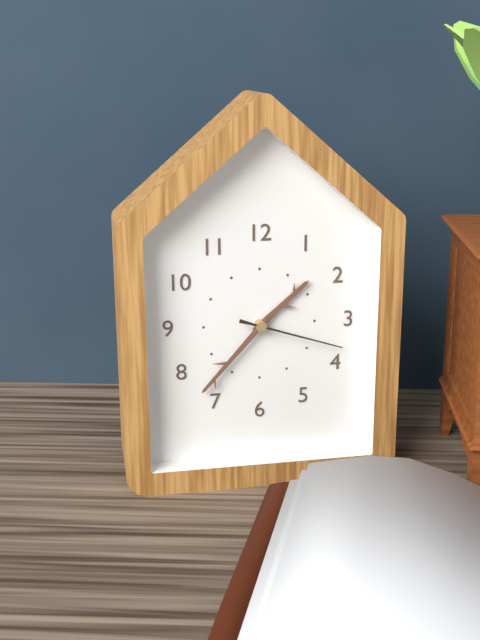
1:37:18
